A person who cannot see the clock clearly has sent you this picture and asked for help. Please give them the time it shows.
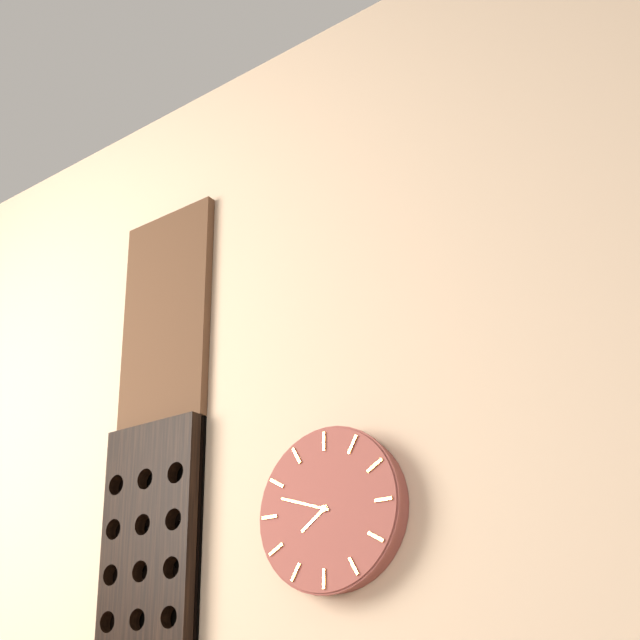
7:48
